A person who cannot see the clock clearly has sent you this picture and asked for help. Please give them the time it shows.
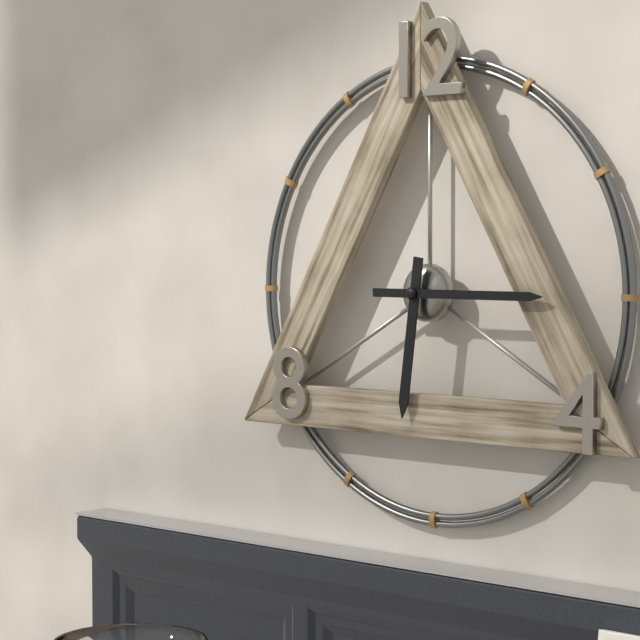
6:15
